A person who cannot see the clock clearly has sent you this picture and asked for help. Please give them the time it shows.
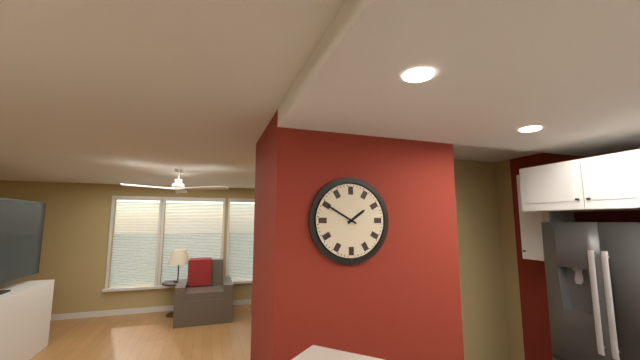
1:50
